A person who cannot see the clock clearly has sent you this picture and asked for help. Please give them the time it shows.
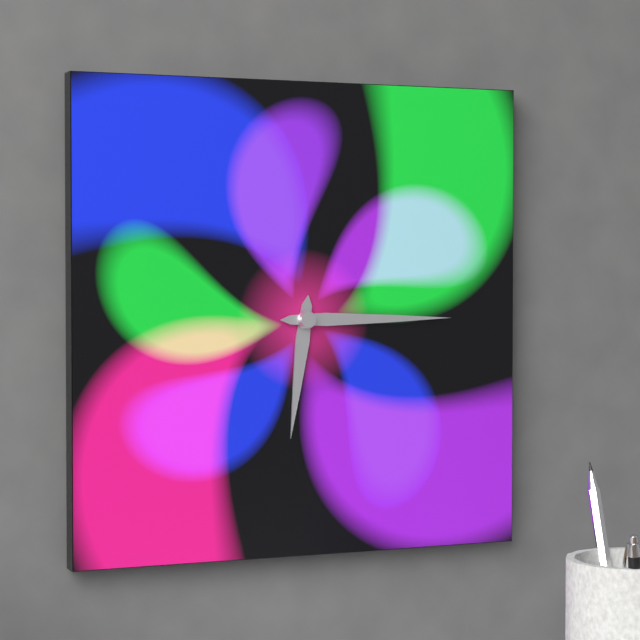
6:15
